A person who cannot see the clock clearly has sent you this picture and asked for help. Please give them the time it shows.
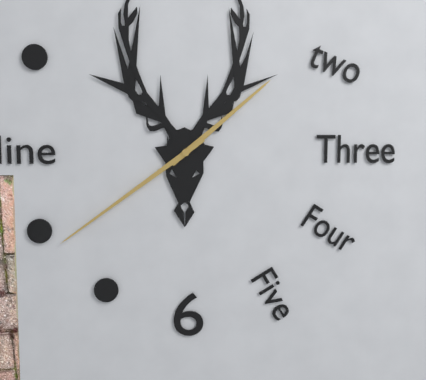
1:39
